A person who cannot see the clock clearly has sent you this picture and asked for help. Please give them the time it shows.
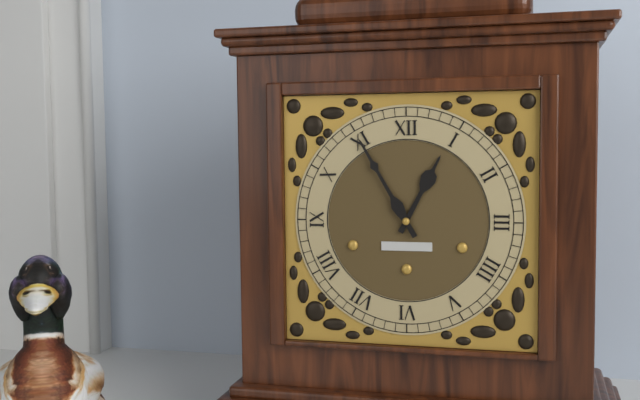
12:55
